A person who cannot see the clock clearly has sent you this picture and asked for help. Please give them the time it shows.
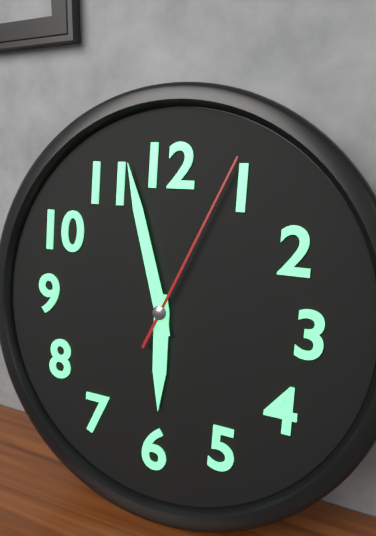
5:57:04
